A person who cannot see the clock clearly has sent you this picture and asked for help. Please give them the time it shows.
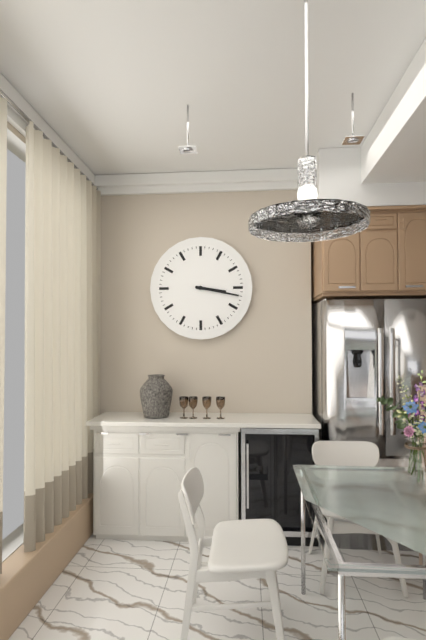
3:17
